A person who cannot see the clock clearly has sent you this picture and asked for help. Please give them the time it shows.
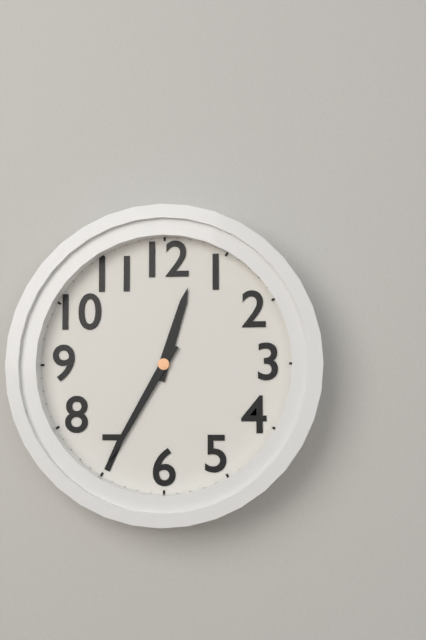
12:35
